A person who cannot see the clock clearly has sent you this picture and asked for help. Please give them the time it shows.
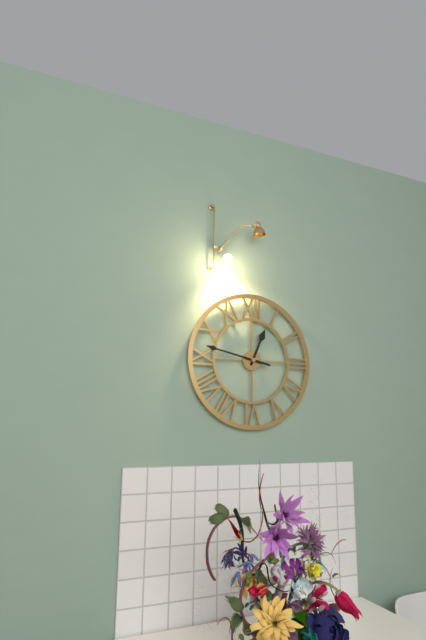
12:47
